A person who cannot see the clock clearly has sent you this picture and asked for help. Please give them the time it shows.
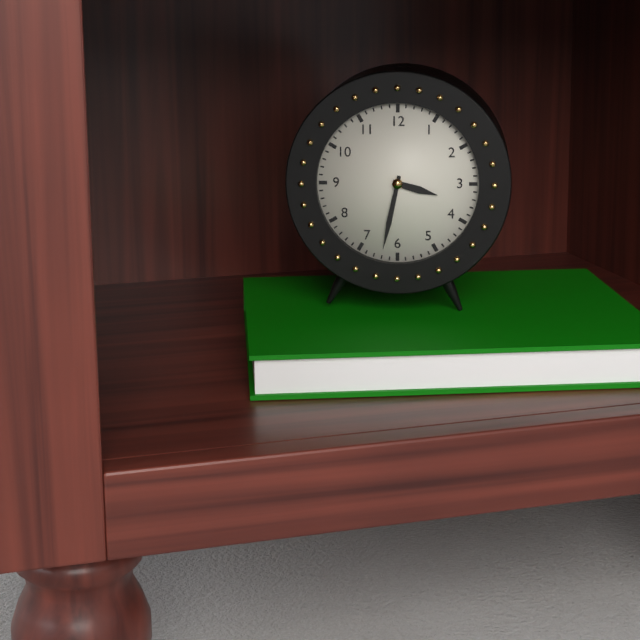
3:32
